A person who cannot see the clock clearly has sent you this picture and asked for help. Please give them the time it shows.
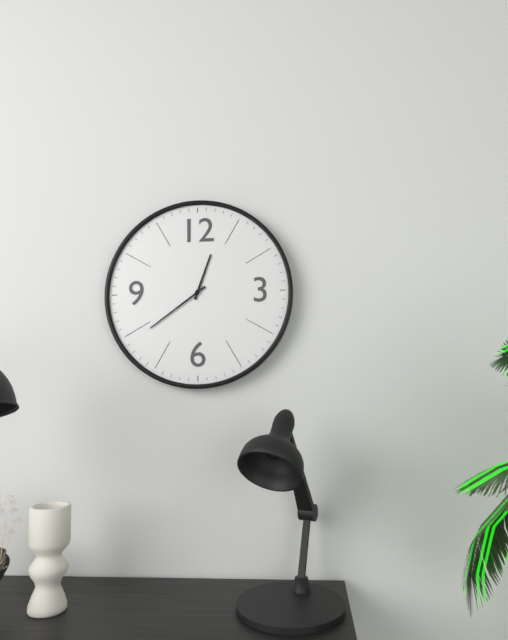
12:39
